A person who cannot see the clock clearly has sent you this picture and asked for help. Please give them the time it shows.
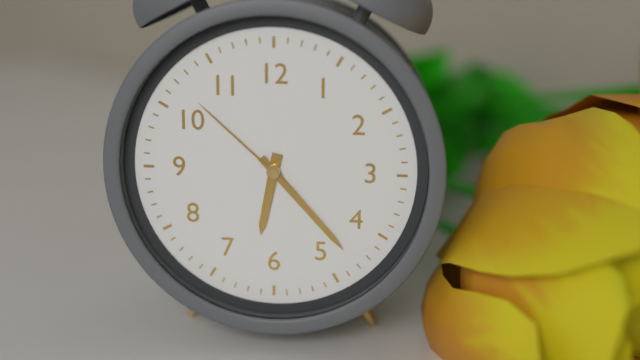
6:23:52
